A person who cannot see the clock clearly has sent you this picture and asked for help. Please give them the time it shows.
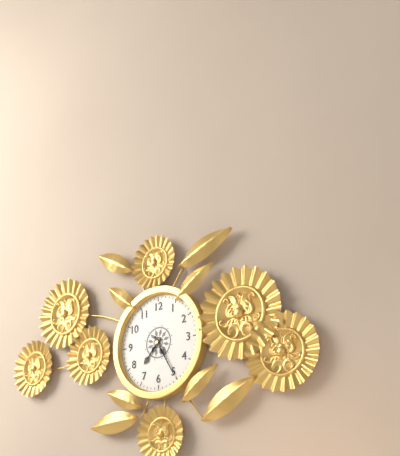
7:25
